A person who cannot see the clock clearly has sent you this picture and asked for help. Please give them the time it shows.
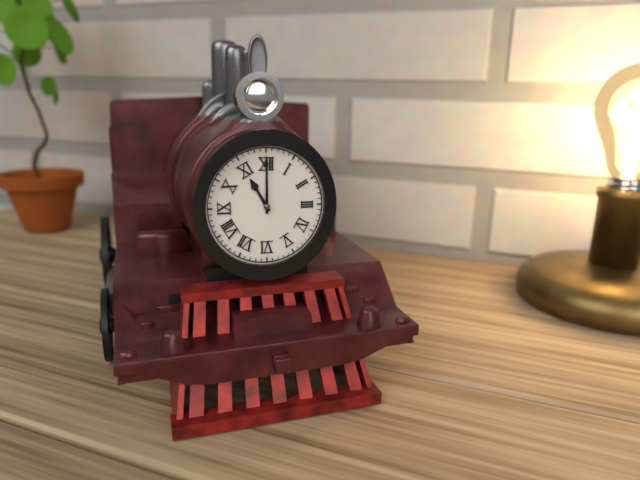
11:00
